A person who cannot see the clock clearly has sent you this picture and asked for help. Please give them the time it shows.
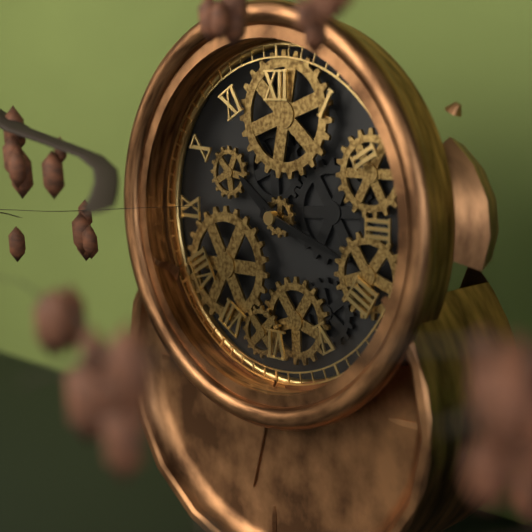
10:18
